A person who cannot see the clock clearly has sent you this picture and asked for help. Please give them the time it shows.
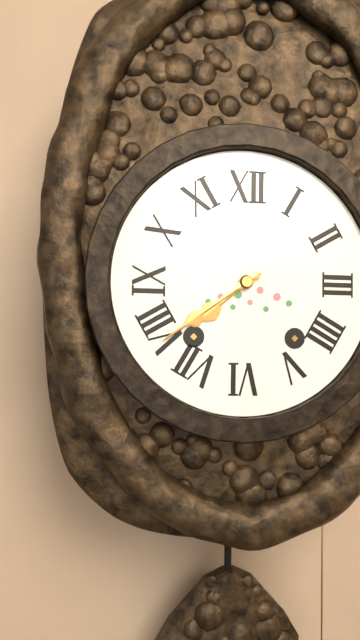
7:39
